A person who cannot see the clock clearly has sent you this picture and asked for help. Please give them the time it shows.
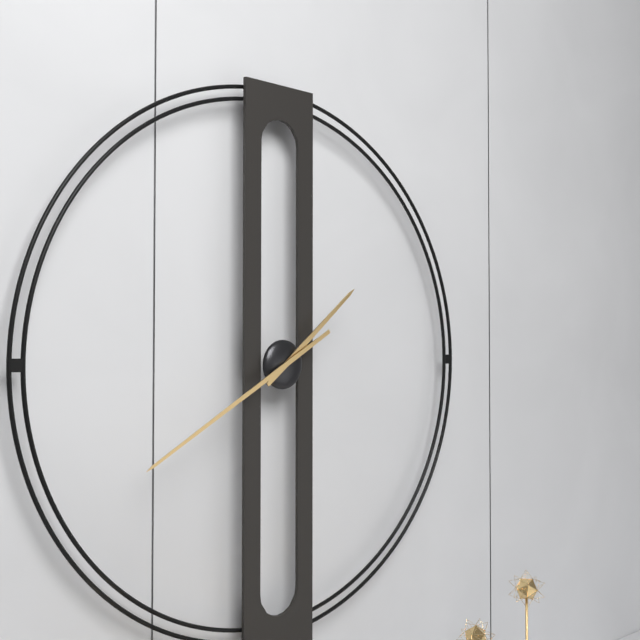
1:40
